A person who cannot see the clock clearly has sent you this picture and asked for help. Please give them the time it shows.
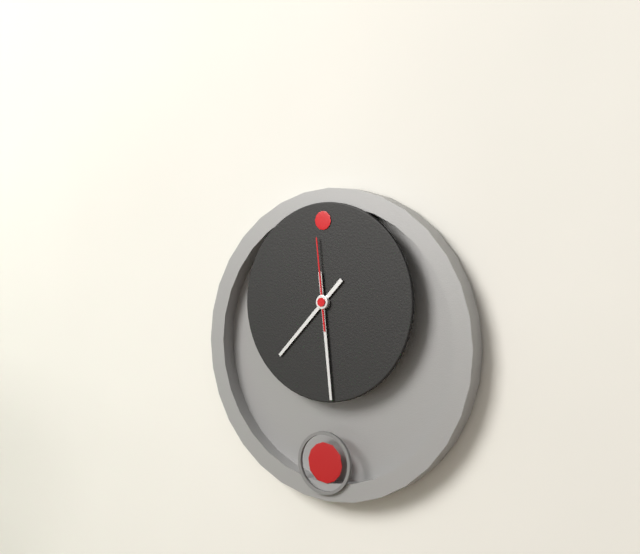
7:29:59
